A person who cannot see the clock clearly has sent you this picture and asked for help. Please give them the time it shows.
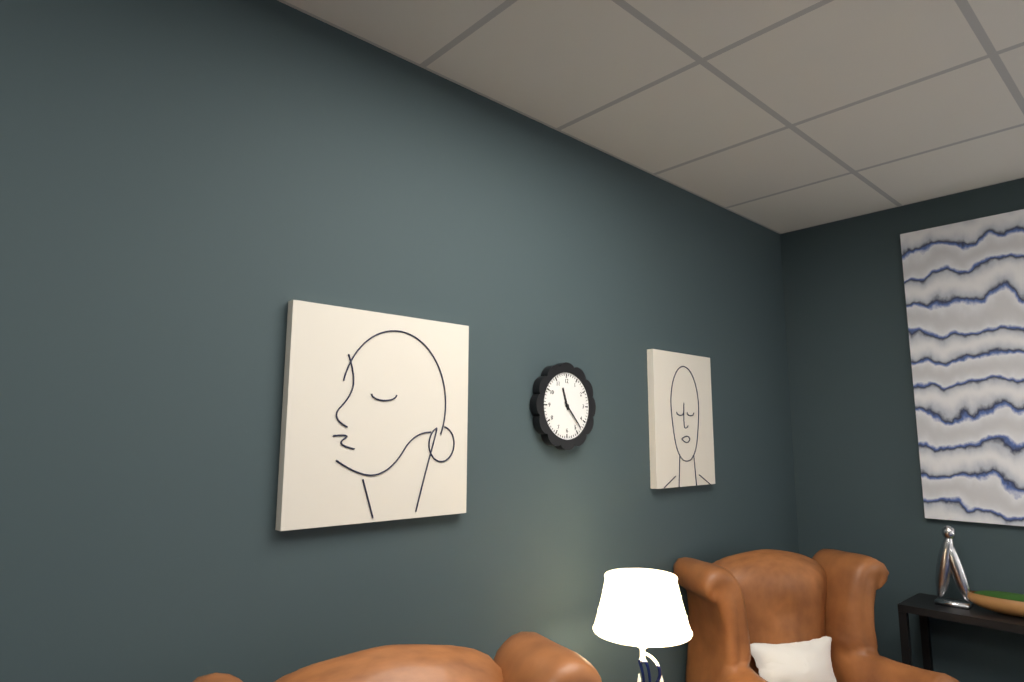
11:23
